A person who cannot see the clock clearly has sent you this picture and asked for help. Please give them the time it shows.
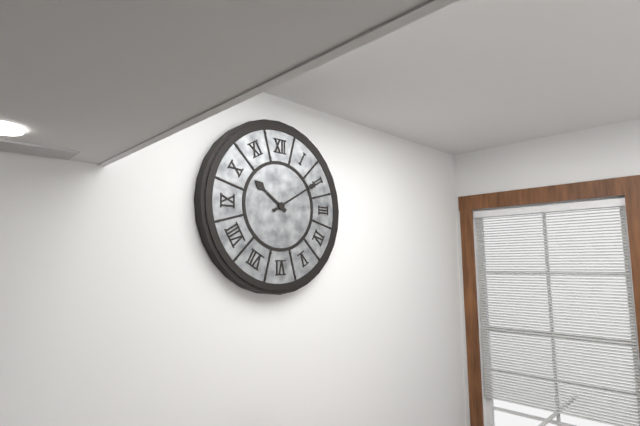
10:10
